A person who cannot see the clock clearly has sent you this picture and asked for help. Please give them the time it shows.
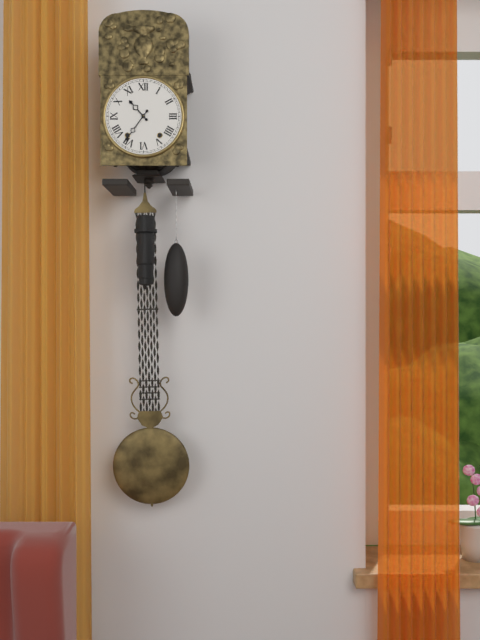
10:36
